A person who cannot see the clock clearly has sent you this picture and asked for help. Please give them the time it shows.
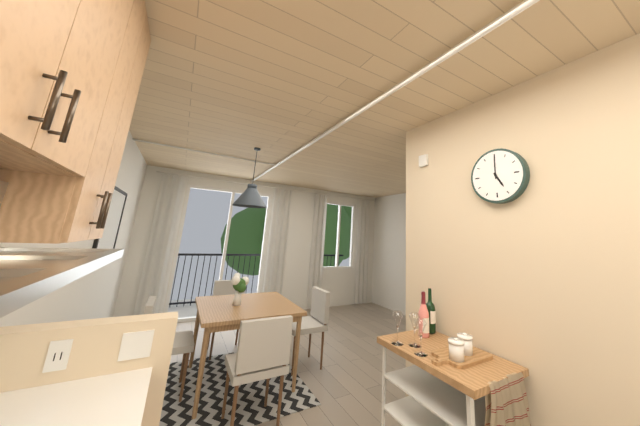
5:00
